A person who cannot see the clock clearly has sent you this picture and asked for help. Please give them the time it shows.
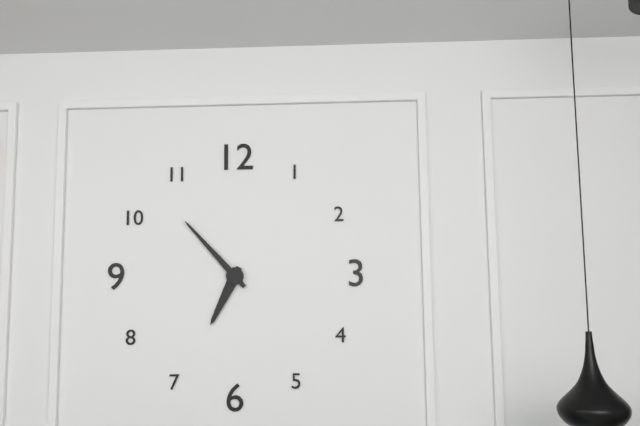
6:53
